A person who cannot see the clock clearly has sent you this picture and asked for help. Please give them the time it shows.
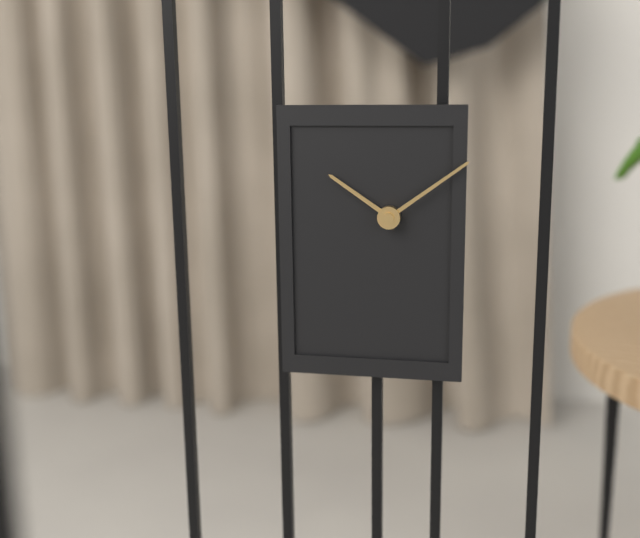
10:09
